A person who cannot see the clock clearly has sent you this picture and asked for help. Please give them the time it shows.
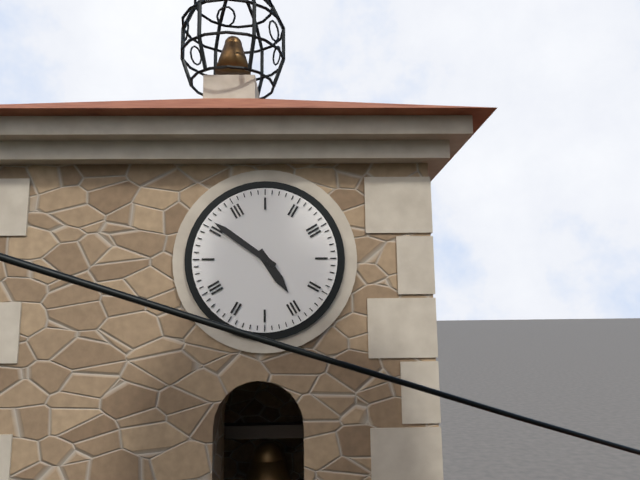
4:51
